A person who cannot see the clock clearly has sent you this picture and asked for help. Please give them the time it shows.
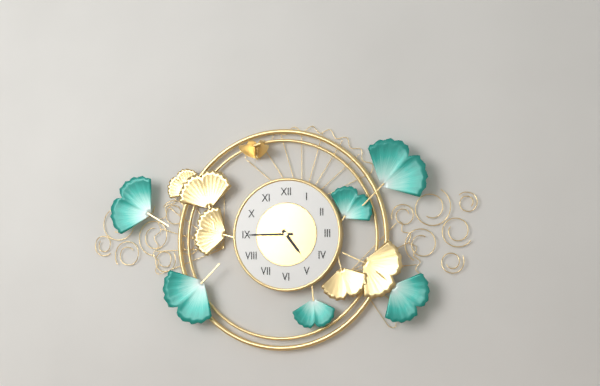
4:45
